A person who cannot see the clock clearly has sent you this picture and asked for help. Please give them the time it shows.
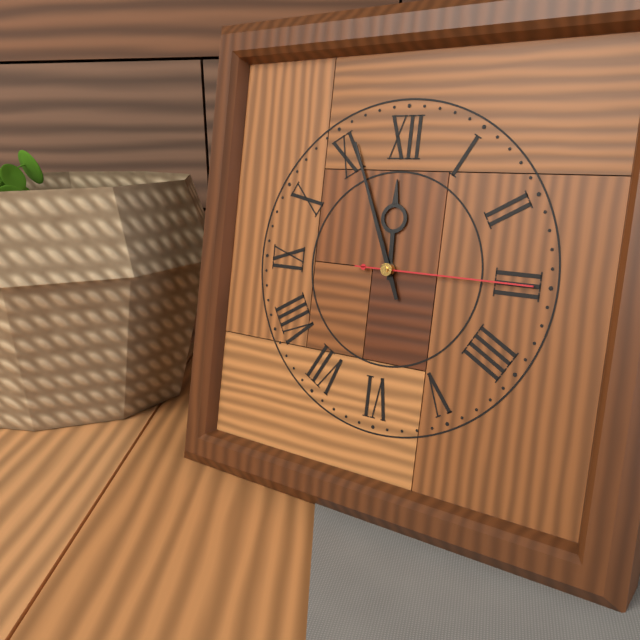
11:56:15
